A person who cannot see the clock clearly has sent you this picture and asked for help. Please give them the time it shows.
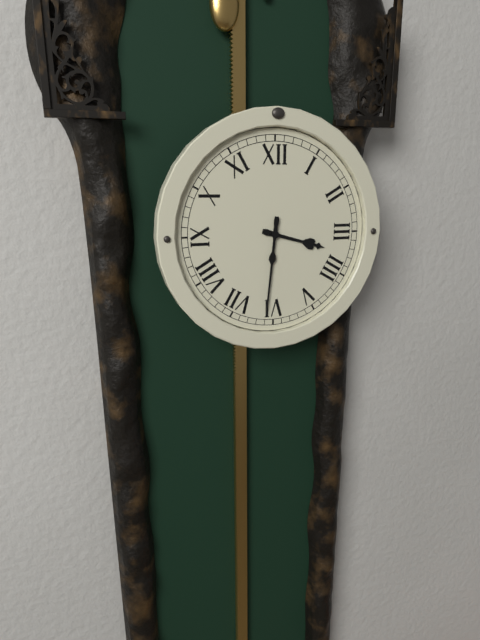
3:31
